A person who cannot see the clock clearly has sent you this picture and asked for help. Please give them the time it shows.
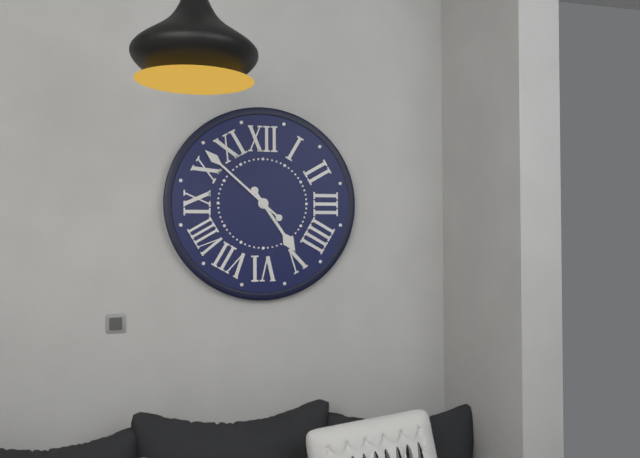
4:52
